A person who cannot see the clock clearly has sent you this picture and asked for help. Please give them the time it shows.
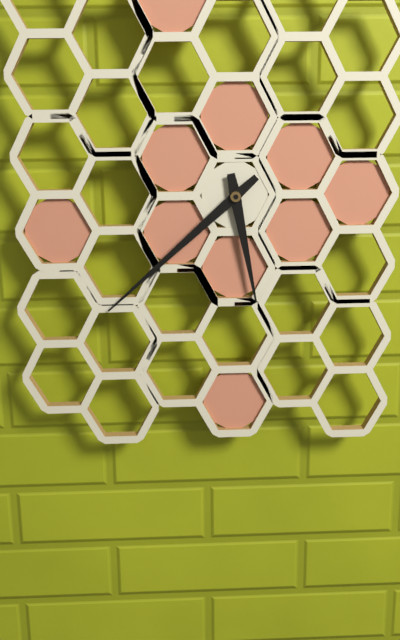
5:38
